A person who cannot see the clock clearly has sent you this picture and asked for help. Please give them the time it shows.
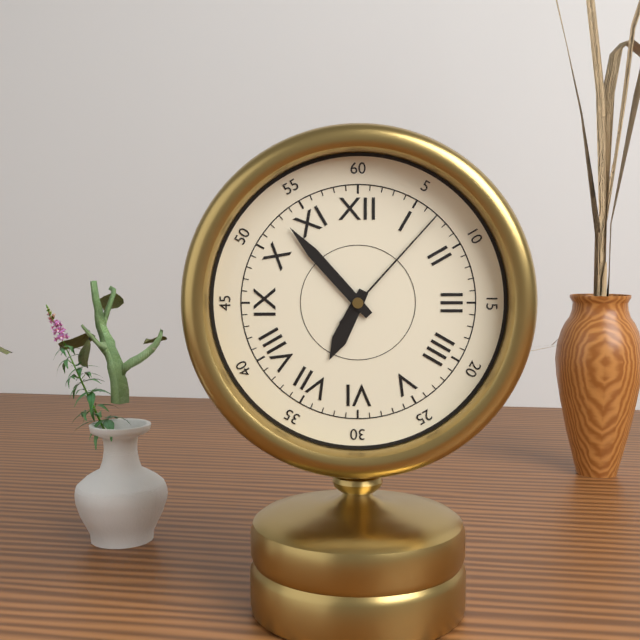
6:53:07
